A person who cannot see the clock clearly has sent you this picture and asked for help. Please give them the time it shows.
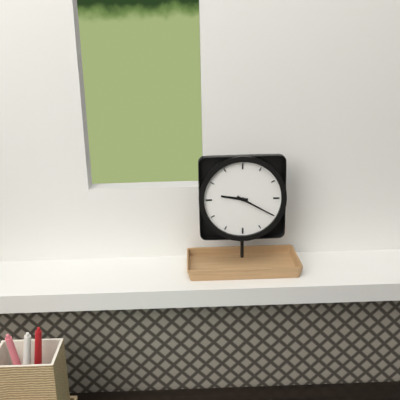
9:20
